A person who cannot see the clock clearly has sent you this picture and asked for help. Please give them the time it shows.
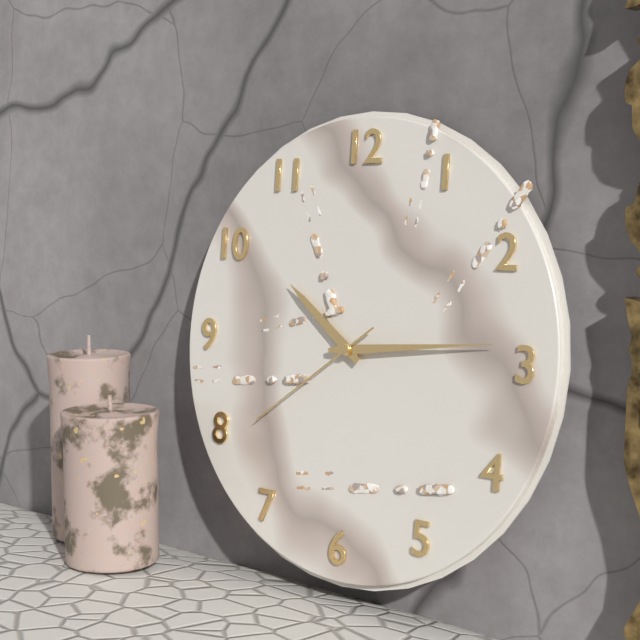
10:14:39
